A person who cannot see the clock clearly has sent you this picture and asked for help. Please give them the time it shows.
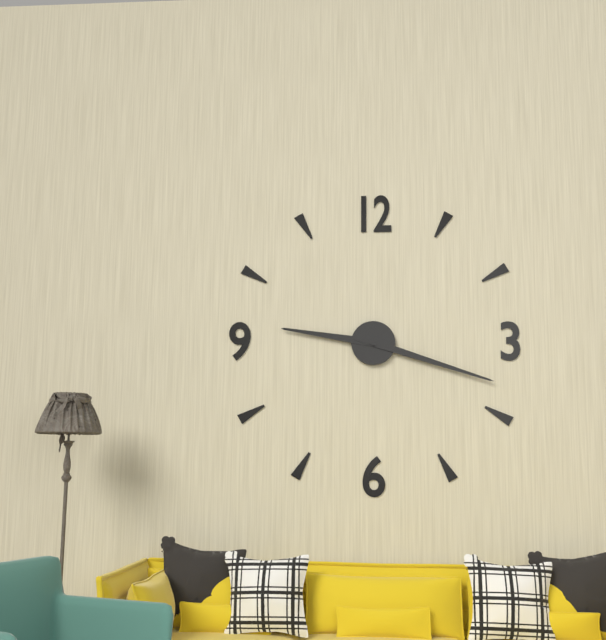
9:18
